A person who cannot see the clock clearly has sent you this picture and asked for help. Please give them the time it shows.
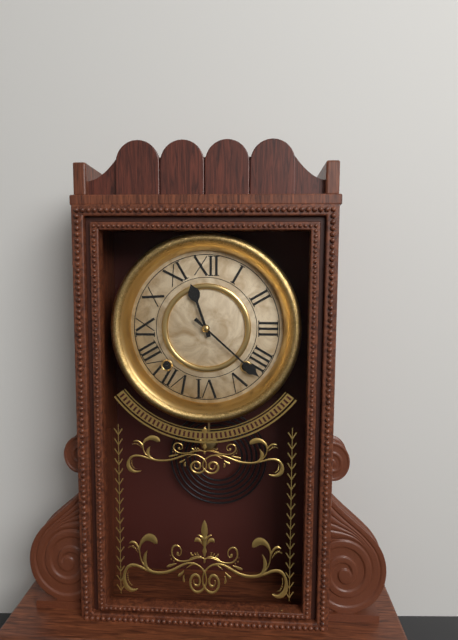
11:22
